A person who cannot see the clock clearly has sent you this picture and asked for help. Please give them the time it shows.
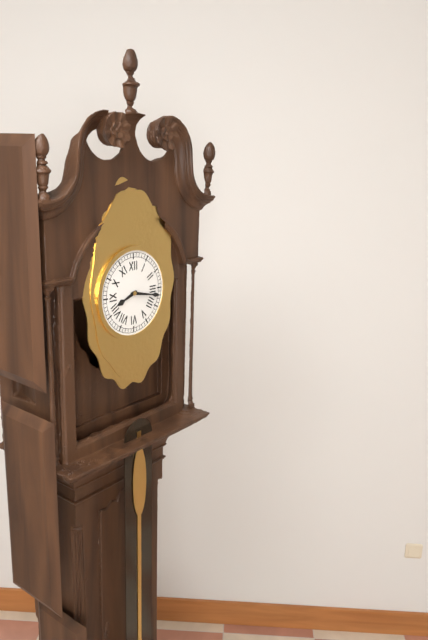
8:17
